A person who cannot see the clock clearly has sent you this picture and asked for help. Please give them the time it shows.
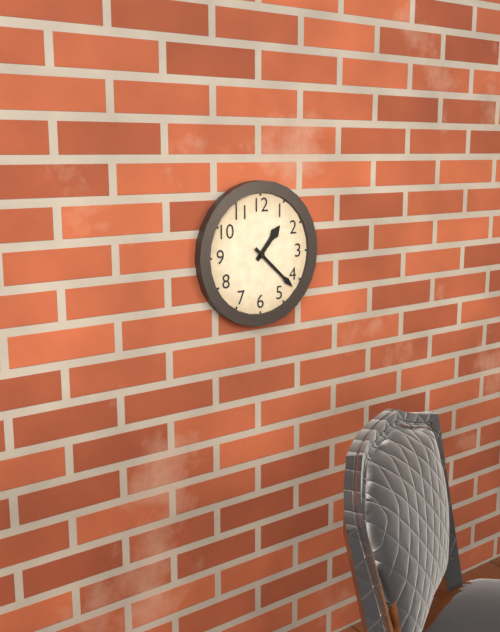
1:22
